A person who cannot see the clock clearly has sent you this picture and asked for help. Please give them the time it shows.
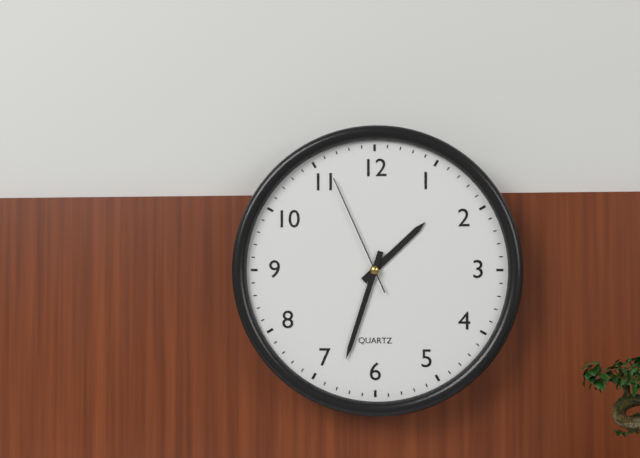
1:33:56
